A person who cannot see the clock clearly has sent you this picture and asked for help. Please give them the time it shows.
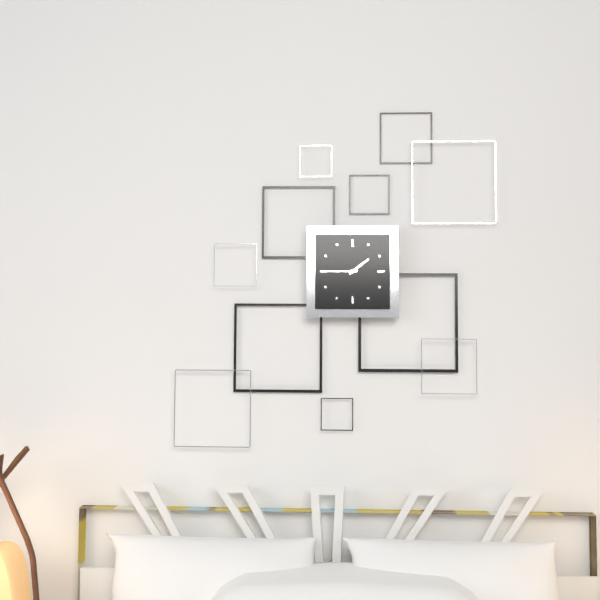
1:45
